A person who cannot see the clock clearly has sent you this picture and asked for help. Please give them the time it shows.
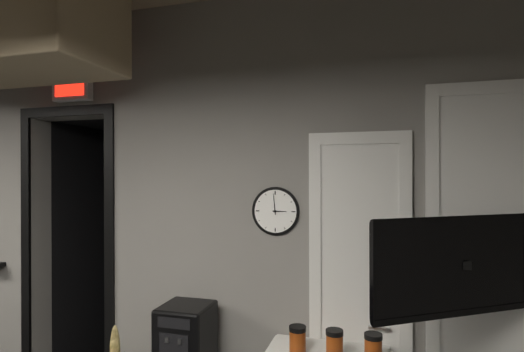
2:59
